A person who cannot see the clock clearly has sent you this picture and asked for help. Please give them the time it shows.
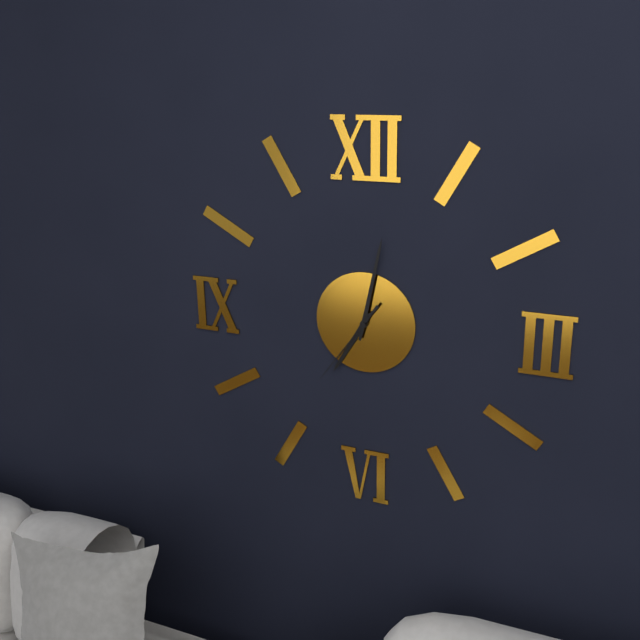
7:02:36
